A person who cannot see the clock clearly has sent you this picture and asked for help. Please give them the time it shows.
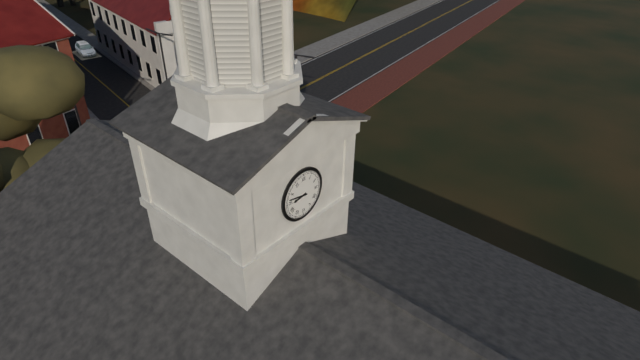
8:47
